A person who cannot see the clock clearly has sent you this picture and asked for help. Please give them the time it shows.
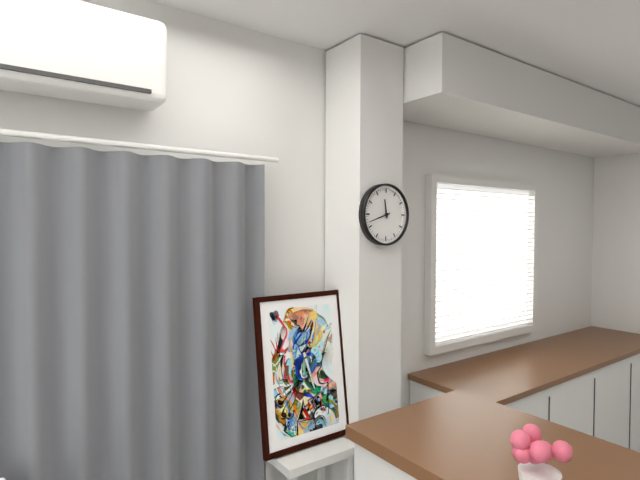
11:42
